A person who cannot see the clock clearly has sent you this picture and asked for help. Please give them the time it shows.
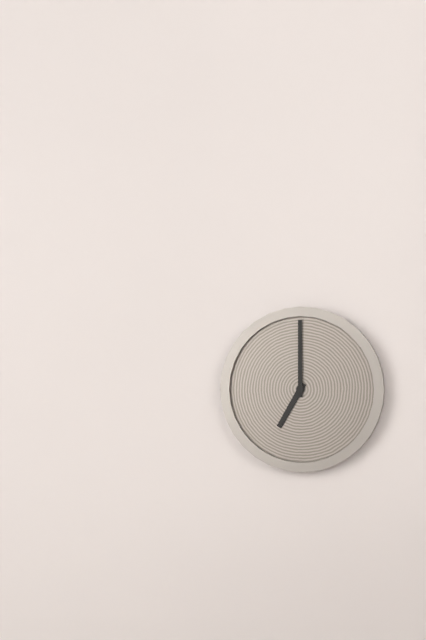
7:00
